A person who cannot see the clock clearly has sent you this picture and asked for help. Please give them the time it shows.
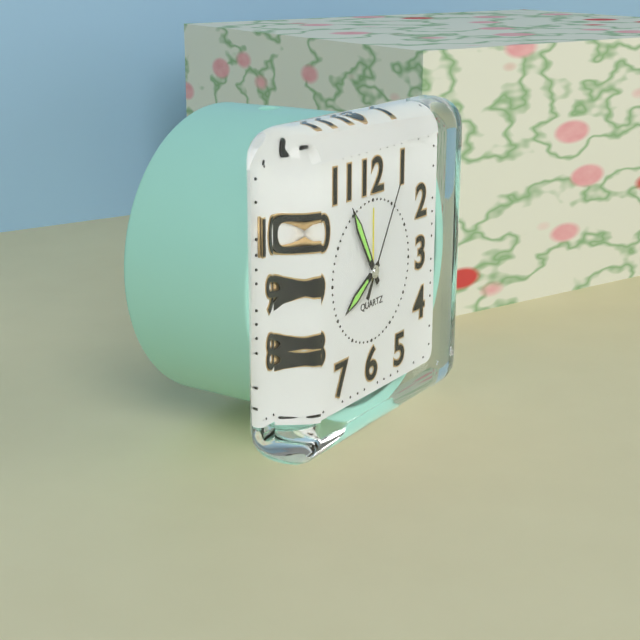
7:55:05
